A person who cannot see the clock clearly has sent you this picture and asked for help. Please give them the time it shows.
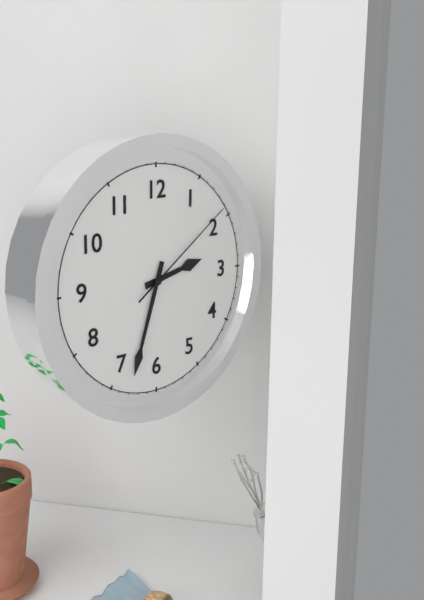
2:33:09
